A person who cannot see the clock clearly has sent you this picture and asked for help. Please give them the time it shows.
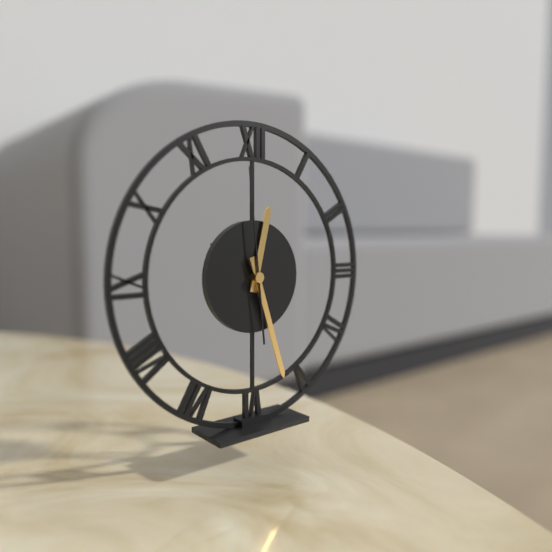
12:27:59
